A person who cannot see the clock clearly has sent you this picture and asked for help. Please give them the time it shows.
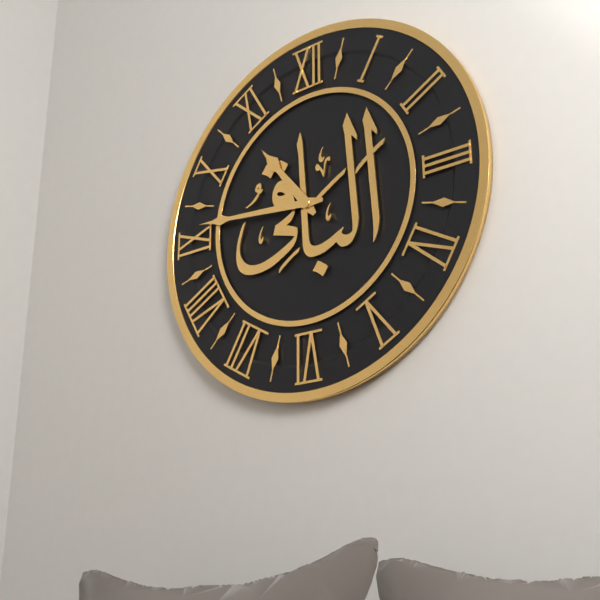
10:46
